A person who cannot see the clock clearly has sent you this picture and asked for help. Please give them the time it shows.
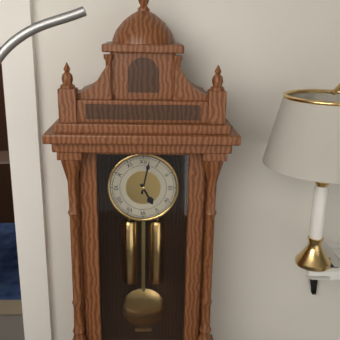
5:02
